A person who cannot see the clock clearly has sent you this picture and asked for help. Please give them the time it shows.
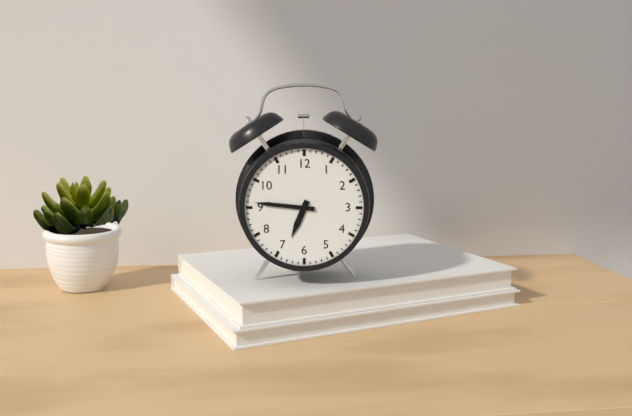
6:46
